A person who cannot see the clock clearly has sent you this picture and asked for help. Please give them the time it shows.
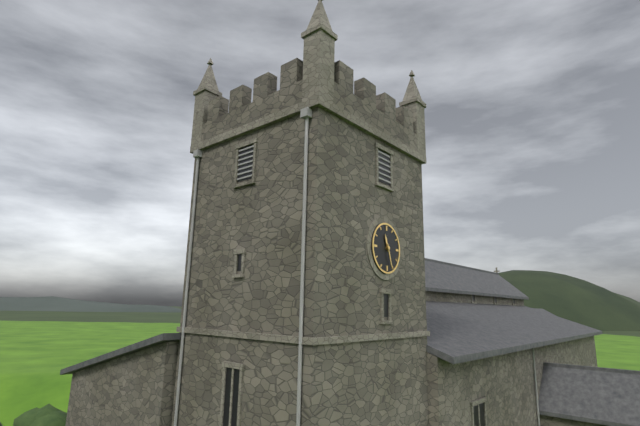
11:27
